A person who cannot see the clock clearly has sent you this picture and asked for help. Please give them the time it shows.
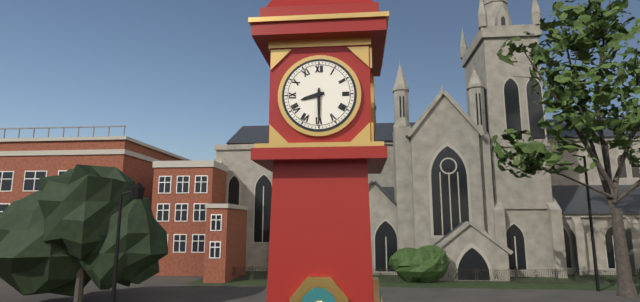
8:30
